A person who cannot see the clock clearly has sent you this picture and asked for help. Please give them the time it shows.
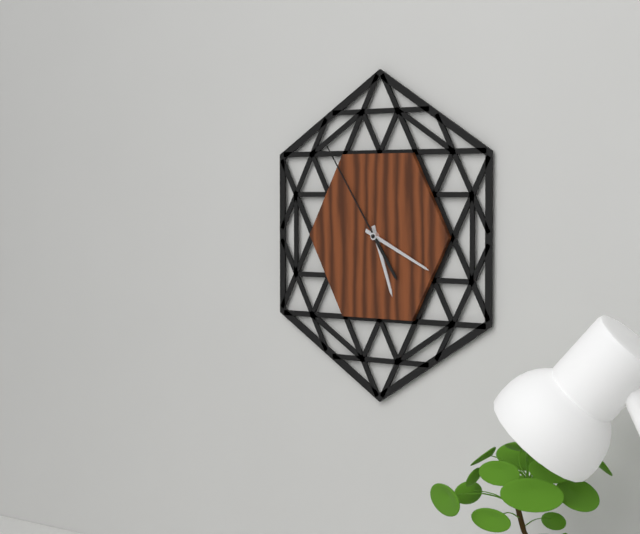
5:19:54
